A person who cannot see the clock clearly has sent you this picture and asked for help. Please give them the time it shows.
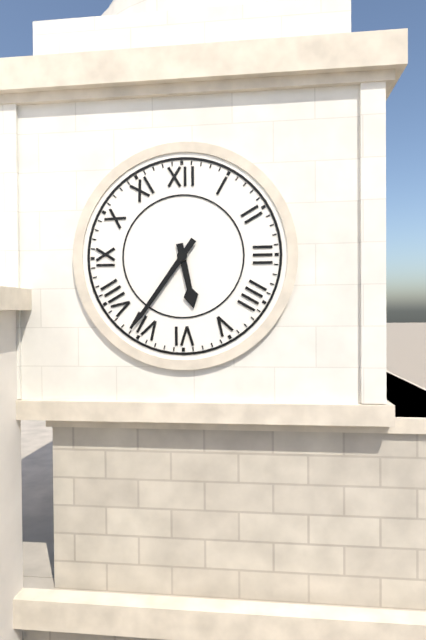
5:36
